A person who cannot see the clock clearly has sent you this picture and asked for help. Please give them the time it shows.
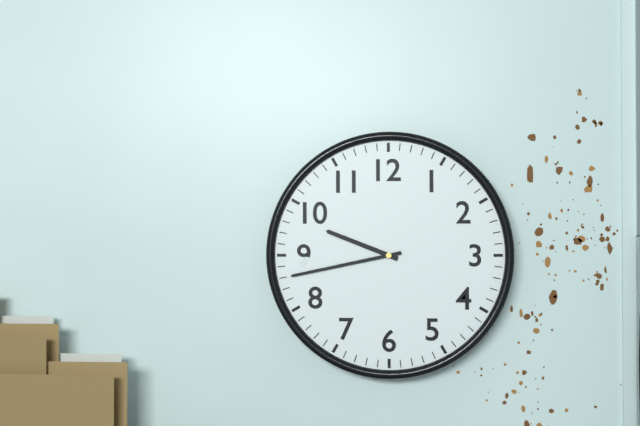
9:43
